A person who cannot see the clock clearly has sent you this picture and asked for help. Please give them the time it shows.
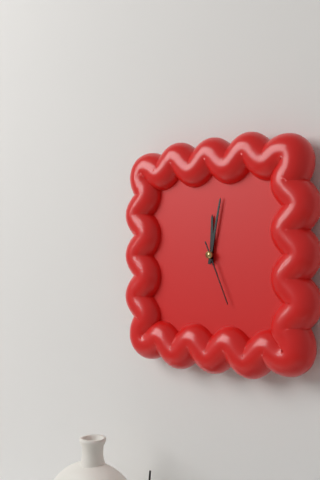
12:02:26
